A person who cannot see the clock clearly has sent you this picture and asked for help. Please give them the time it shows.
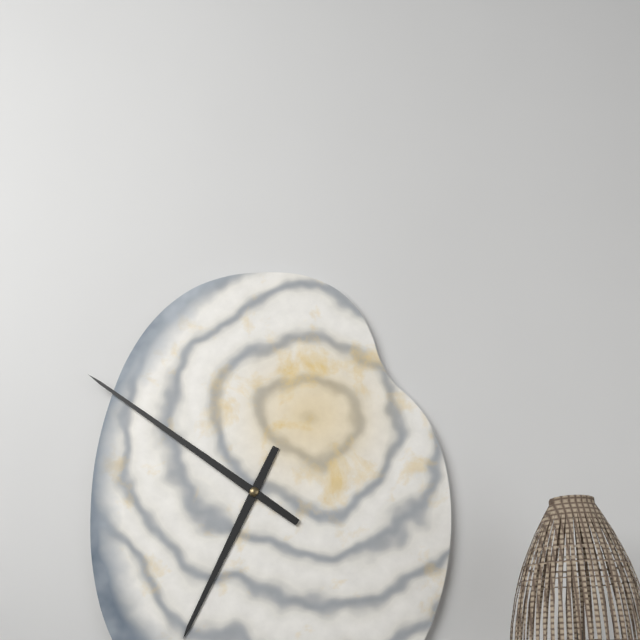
6:51
